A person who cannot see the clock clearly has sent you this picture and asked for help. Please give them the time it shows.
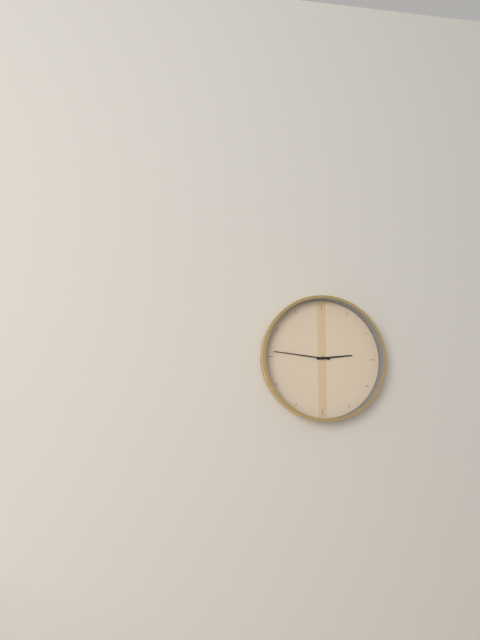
2:46
